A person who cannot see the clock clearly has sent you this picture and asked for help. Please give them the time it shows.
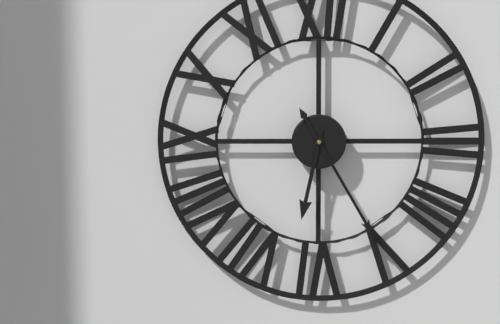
6:25
